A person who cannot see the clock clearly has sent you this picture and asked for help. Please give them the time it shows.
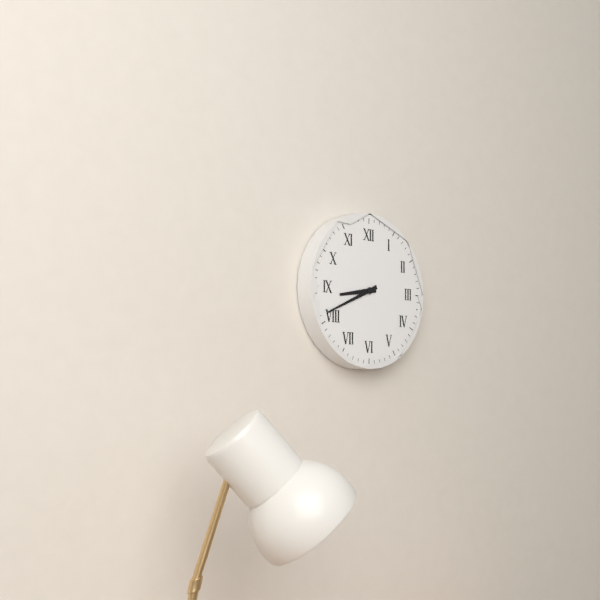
8:41
